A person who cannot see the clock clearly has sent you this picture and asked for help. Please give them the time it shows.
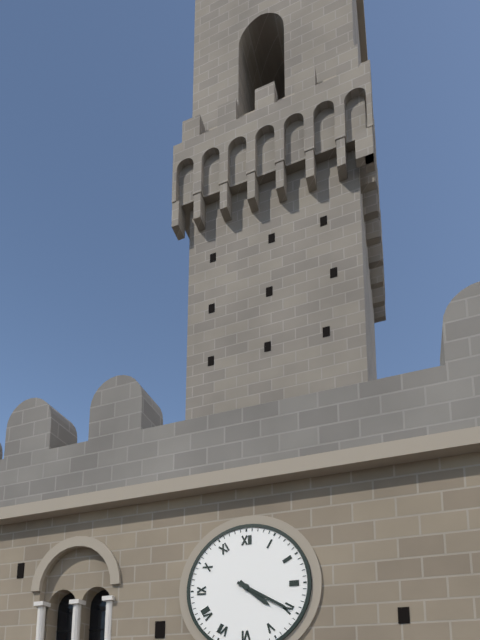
4:20
